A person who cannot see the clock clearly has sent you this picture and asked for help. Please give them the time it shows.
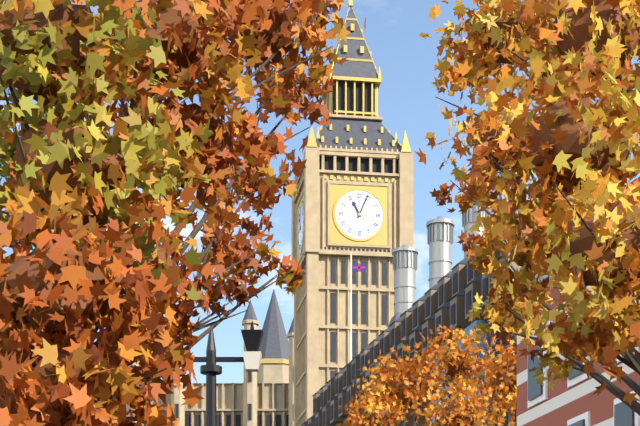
11:04
